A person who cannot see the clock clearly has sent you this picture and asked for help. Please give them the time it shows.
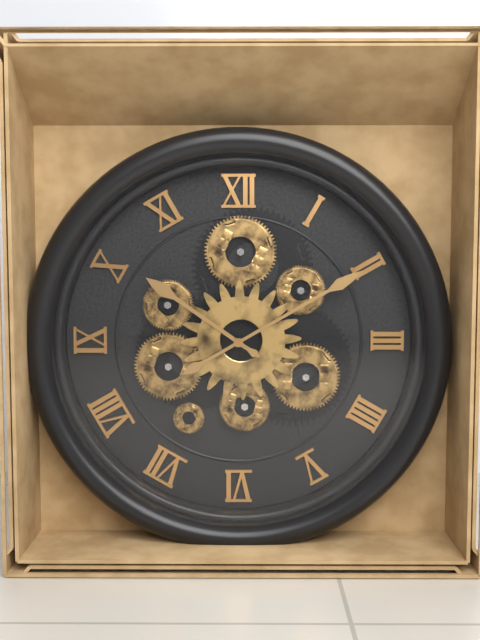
10:10
